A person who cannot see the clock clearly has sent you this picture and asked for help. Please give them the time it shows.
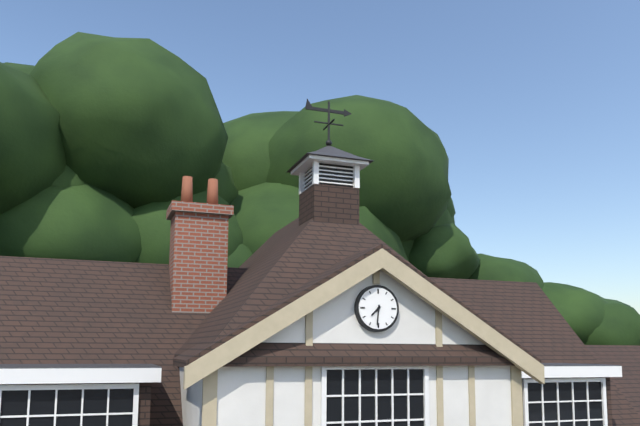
7:31
